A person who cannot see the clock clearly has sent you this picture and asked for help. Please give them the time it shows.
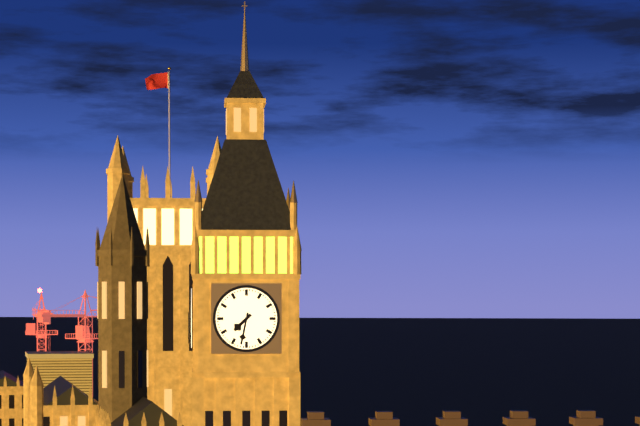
7:32
